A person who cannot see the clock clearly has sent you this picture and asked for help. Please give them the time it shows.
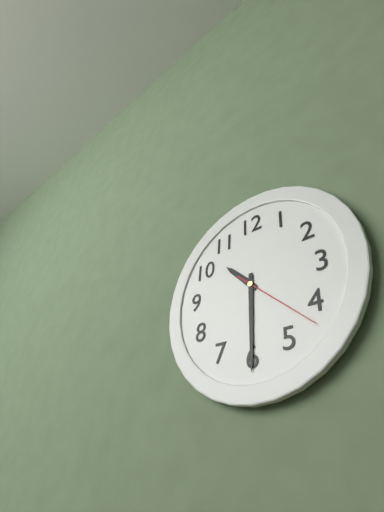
10:30:22
